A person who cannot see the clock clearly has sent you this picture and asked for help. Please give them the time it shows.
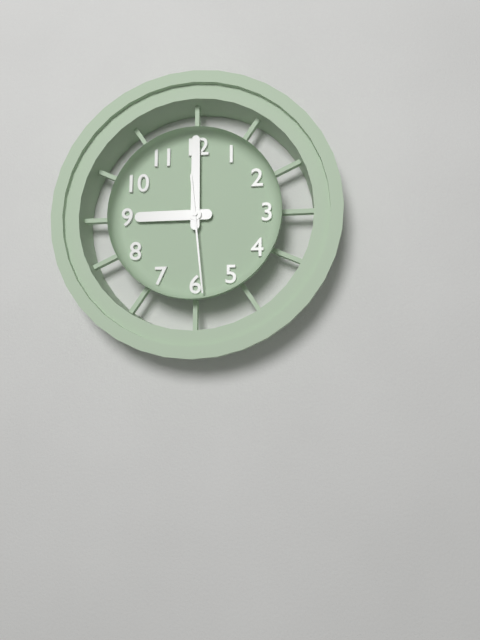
9:00:29
